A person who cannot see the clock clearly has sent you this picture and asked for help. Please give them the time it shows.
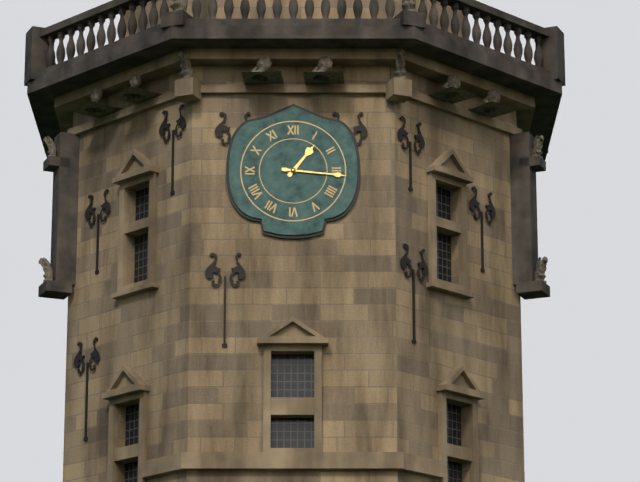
1:16
